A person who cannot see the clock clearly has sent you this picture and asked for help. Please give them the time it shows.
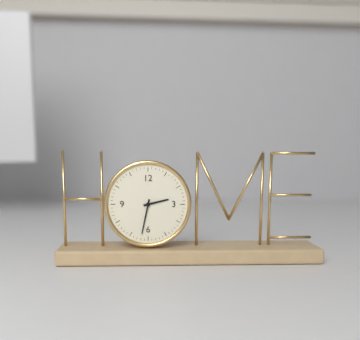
2:32
